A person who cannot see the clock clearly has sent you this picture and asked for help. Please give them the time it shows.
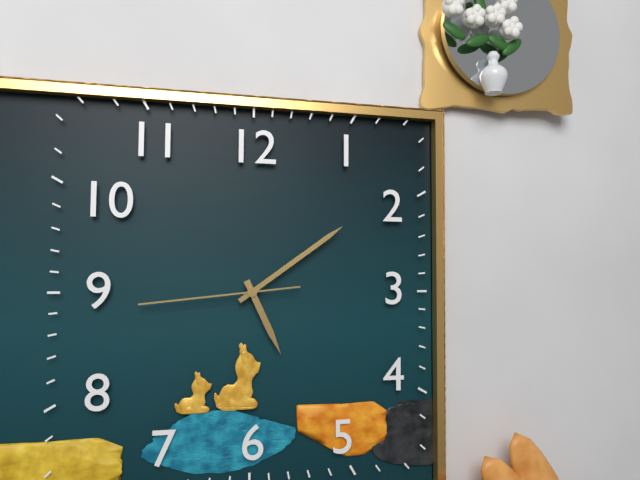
5:09:44
